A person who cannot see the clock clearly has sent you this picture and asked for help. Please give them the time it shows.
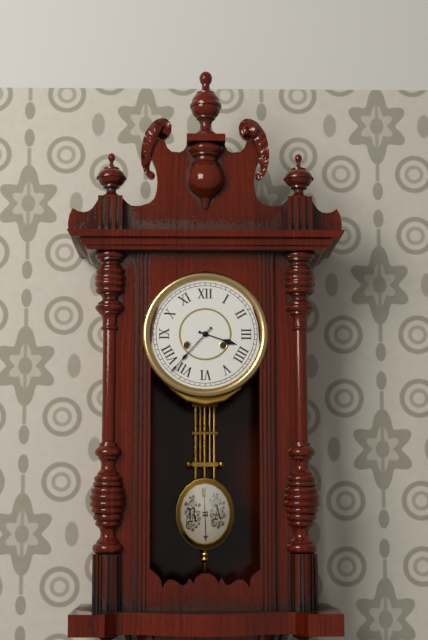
3:37
